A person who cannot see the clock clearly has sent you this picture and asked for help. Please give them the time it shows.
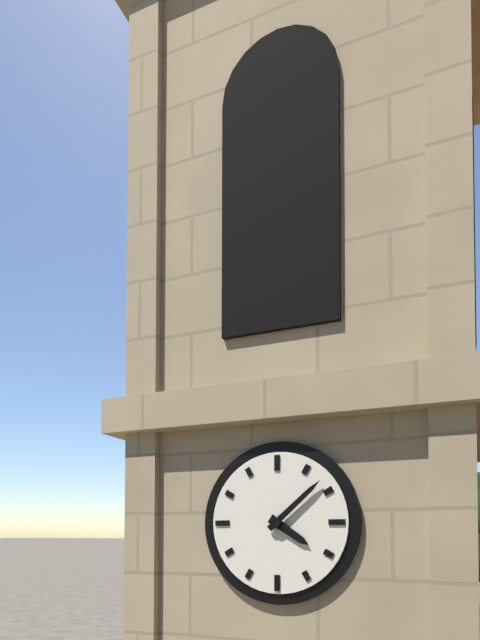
4:08
